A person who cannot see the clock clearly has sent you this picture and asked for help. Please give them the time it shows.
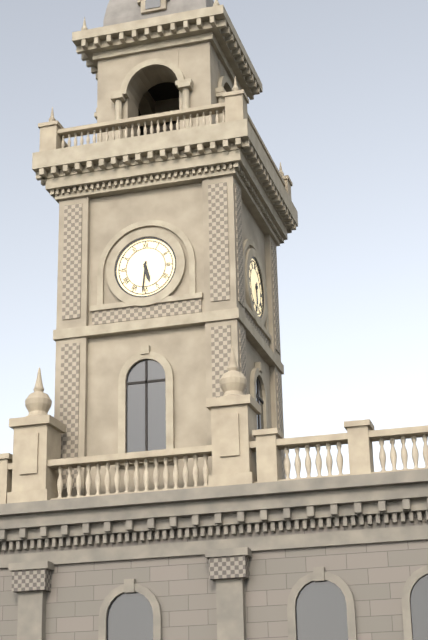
5:31
